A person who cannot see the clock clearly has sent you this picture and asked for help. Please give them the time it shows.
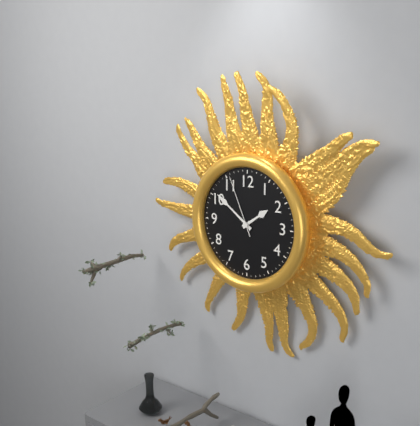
1:51:56
